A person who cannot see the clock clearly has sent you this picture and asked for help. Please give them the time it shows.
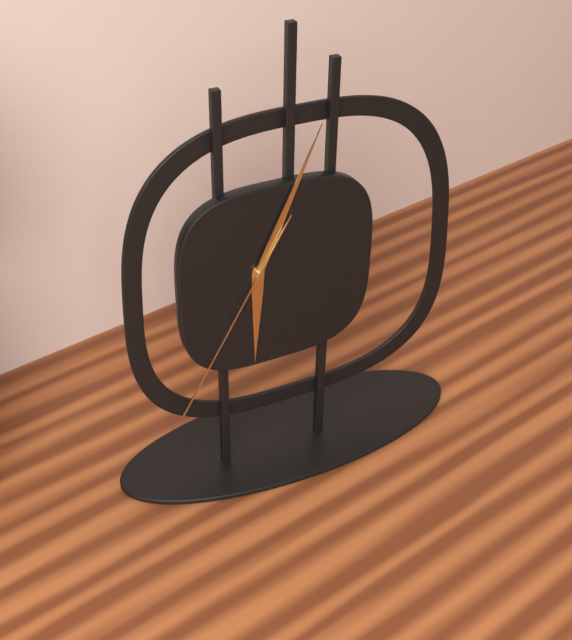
6:04:35
